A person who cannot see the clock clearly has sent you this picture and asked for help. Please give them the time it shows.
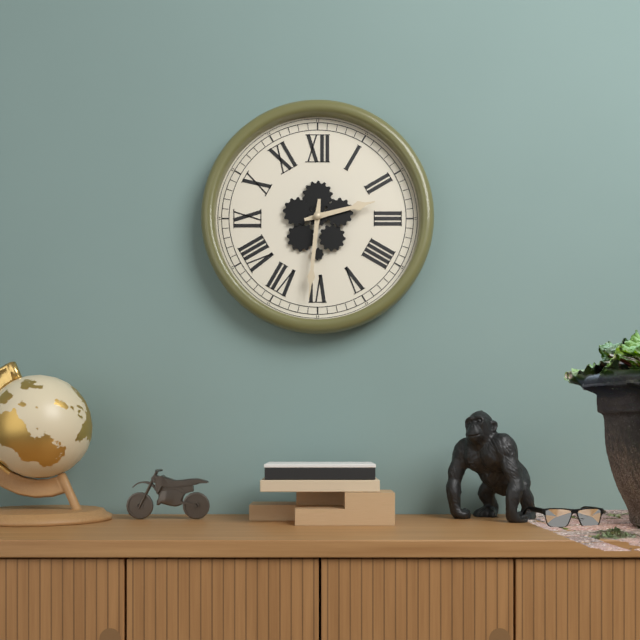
2:31
